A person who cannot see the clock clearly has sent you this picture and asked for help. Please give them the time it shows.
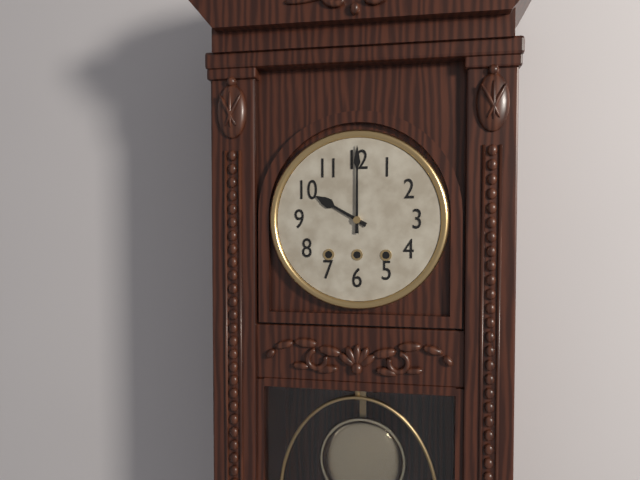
10:00
